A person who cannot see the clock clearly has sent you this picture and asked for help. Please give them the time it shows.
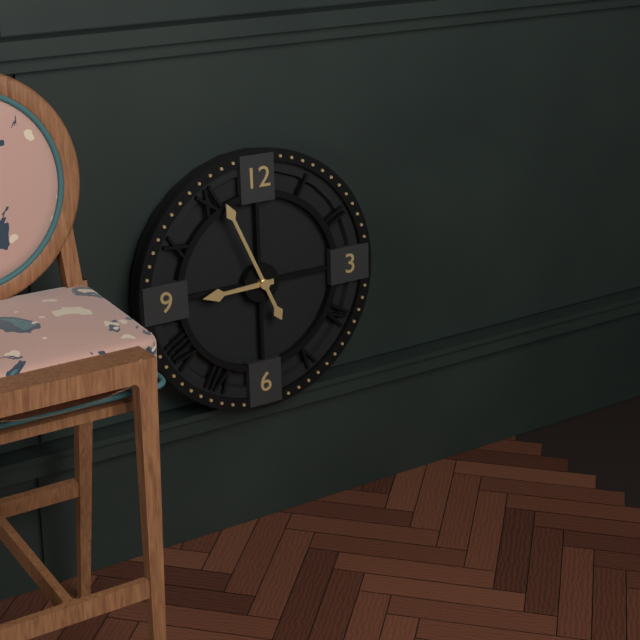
8:56
